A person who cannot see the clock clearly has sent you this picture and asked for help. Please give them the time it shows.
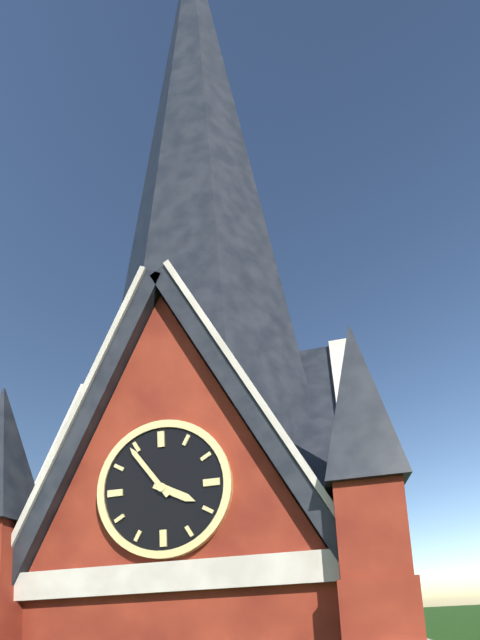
3:54
